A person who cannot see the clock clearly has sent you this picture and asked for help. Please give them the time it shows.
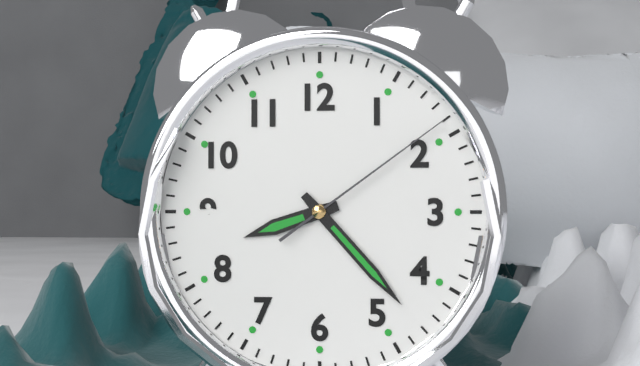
8:23:09
